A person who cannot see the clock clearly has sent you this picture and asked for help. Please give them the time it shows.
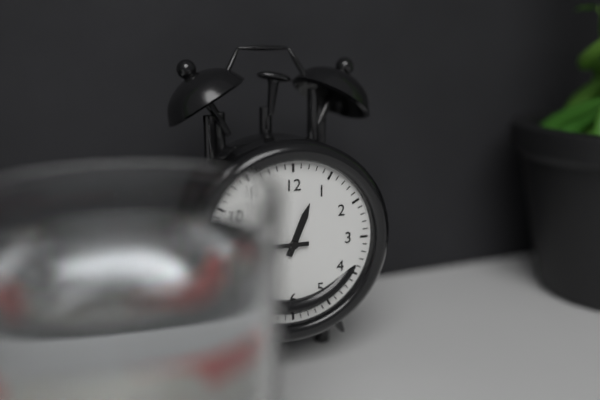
12:45
